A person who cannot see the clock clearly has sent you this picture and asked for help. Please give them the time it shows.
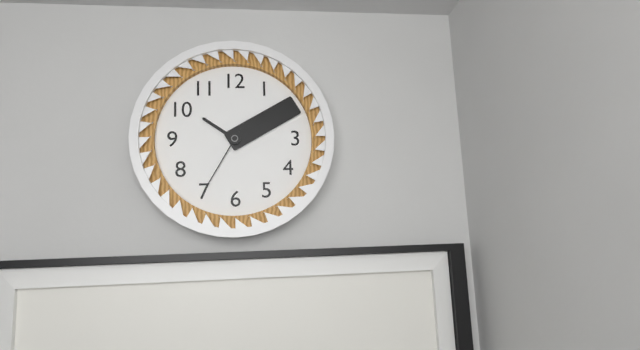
10:10:35
